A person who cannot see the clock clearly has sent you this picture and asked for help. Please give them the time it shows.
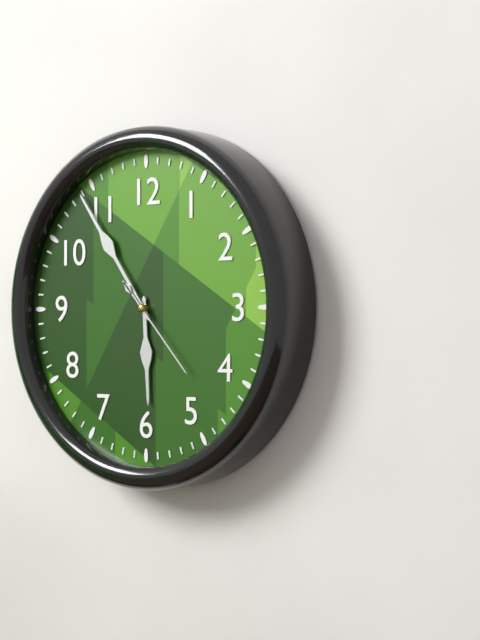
5:54:23
